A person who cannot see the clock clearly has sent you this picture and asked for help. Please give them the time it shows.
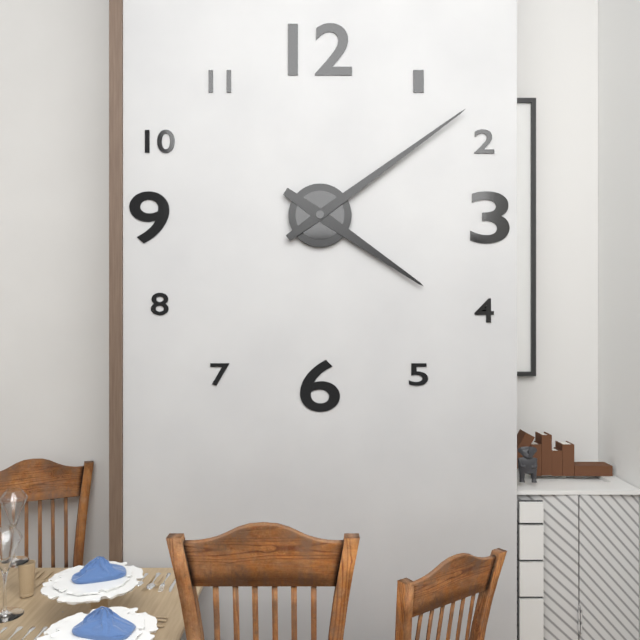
4:09
